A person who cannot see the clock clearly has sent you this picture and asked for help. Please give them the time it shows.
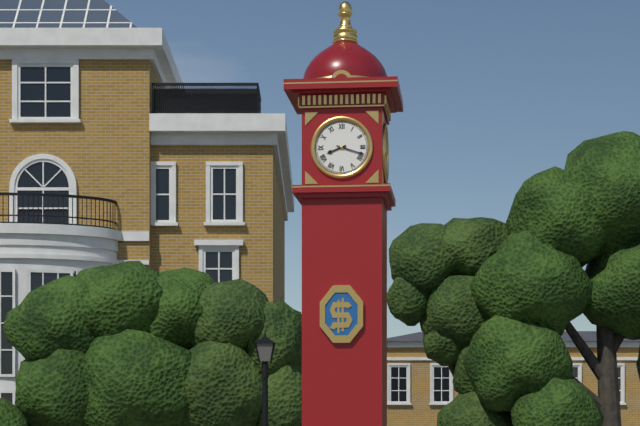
8:18
